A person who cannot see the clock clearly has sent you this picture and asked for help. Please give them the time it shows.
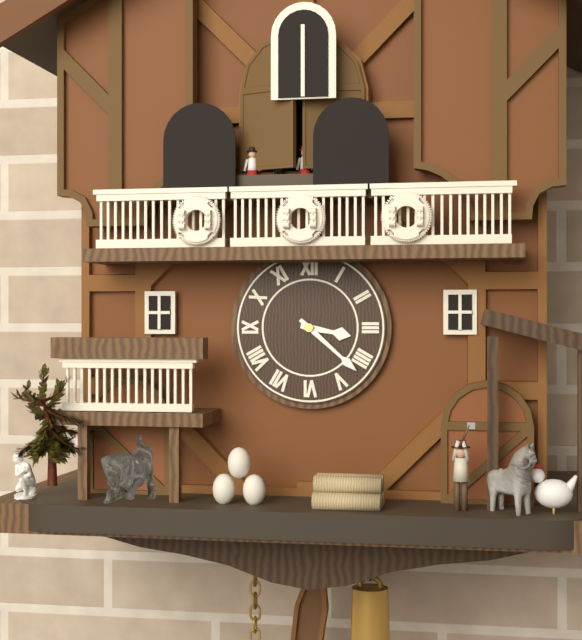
3:22
